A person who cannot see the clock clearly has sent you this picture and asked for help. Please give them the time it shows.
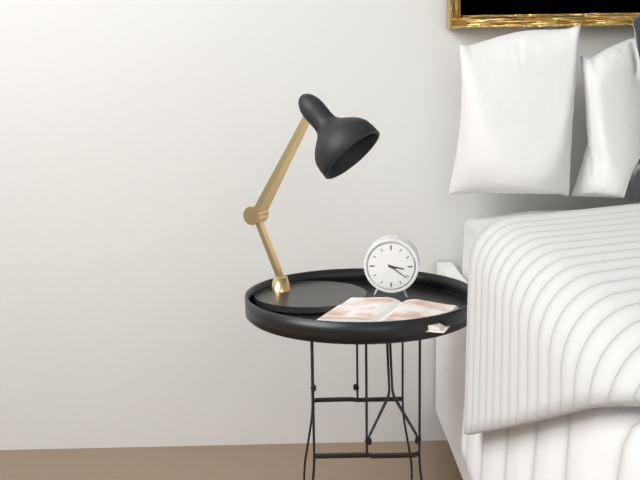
3:21
